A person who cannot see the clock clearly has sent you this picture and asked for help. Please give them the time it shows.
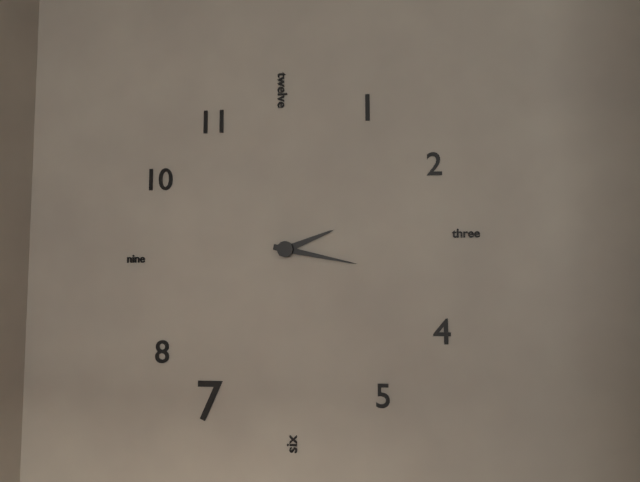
2:17
